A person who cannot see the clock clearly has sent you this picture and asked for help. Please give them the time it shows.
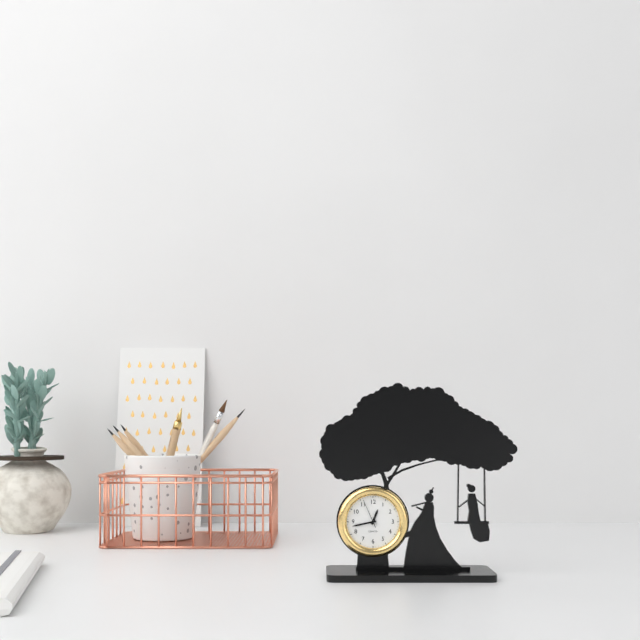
12:43
